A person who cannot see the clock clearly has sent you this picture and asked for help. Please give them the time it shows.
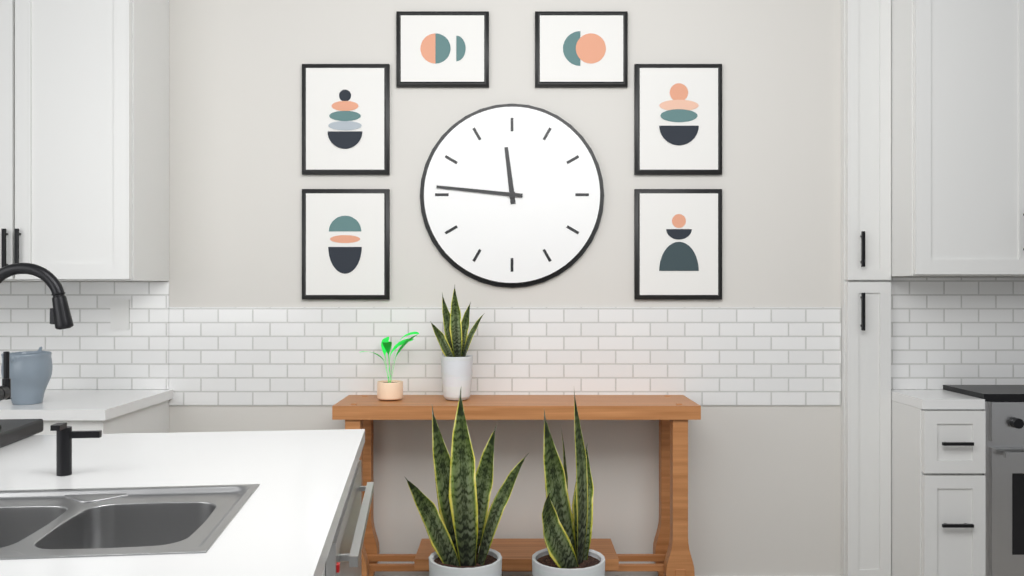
11:46
